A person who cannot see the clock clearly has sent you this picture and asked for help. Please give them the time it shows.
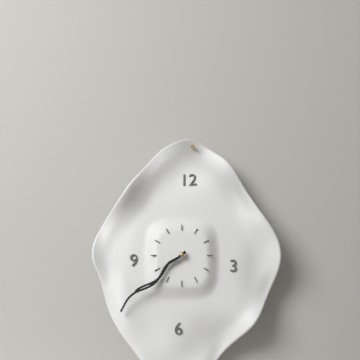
7:38
